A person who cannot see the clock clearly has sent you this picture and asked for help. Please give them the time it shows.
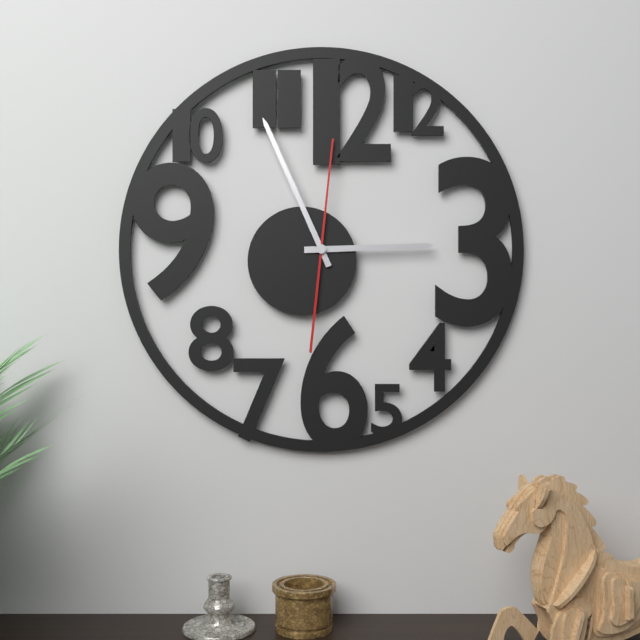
2:56:01
